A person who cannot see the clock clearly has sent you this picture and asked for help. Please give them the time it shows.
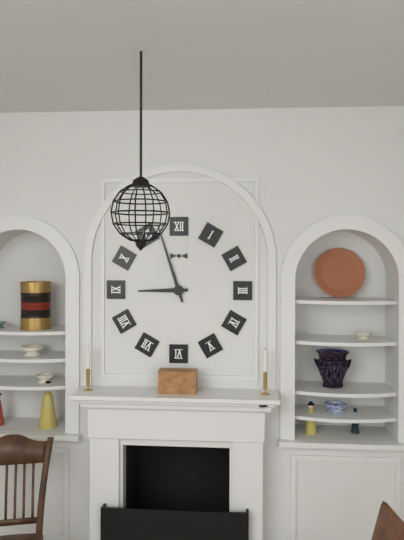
8:57
